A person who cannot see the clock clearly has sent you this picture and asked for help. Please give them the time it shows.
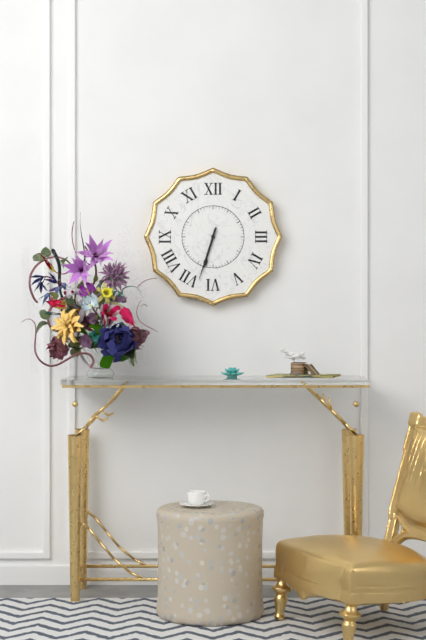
6:33
